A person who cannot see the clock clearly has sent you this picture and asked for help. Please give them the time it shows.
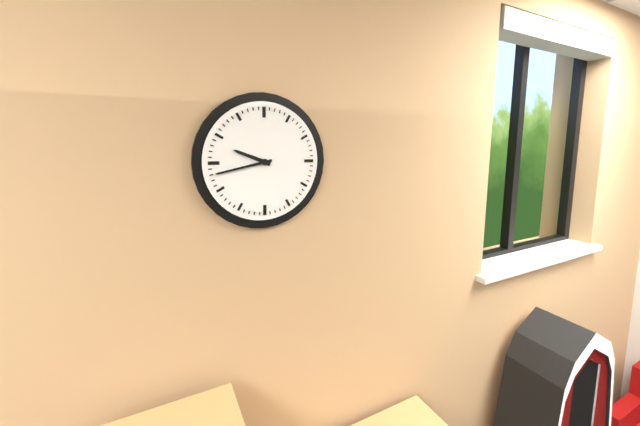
9:43
